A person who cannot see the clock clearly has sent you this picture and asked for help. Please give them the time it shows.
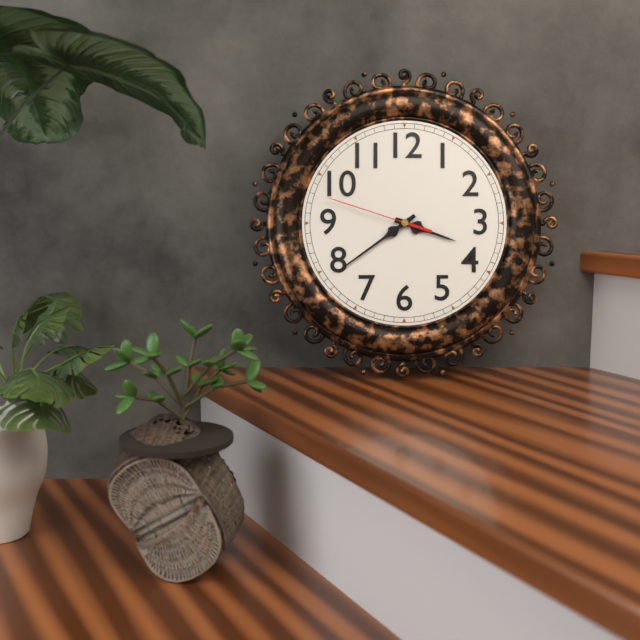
3:39:48
